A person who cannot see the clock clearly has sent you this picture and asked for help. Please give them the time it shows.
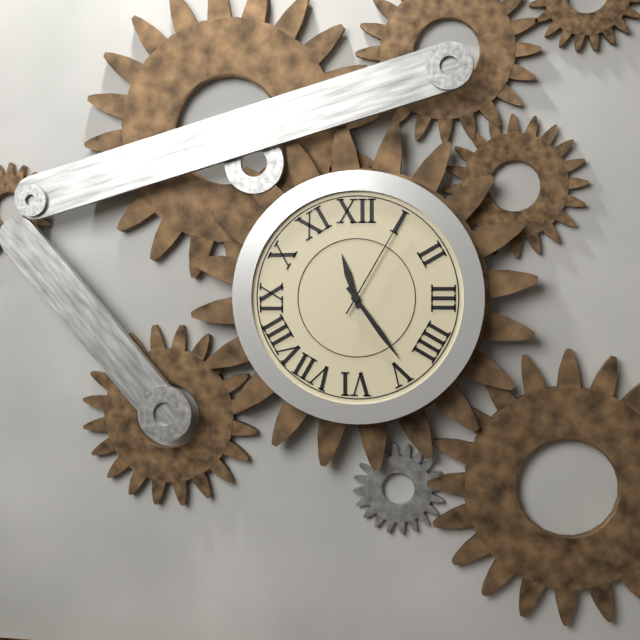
11:24:05
